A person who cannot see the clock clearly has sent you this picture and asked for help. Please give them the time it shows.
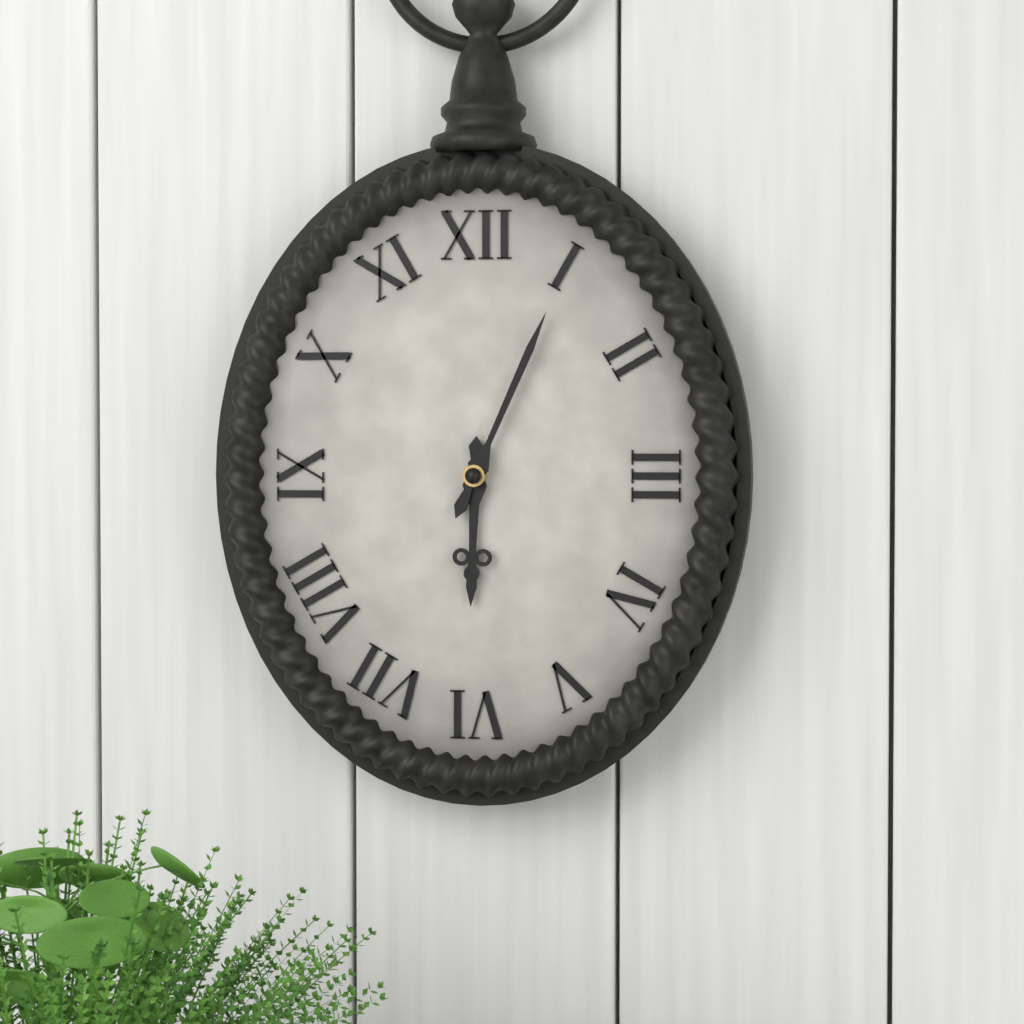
6:04
